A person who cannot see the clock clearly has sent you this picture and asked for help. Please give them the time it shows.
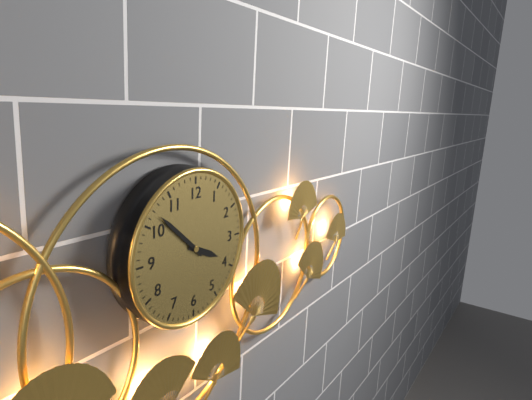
3:52
